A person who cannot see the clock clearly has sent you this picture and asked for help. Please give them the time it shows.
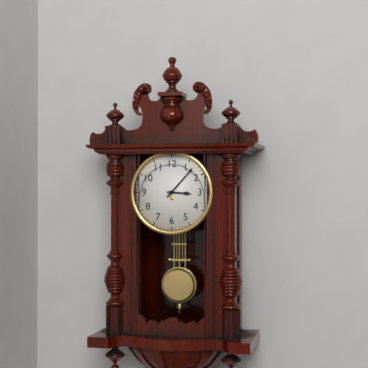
3:07
